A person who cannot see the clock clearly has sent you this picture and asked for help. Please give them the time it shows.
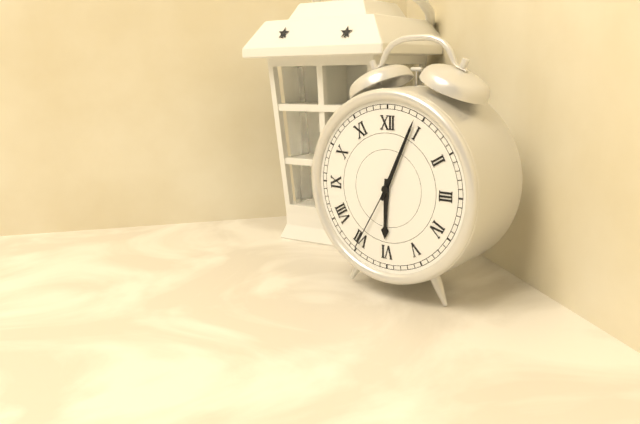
6:04:35
